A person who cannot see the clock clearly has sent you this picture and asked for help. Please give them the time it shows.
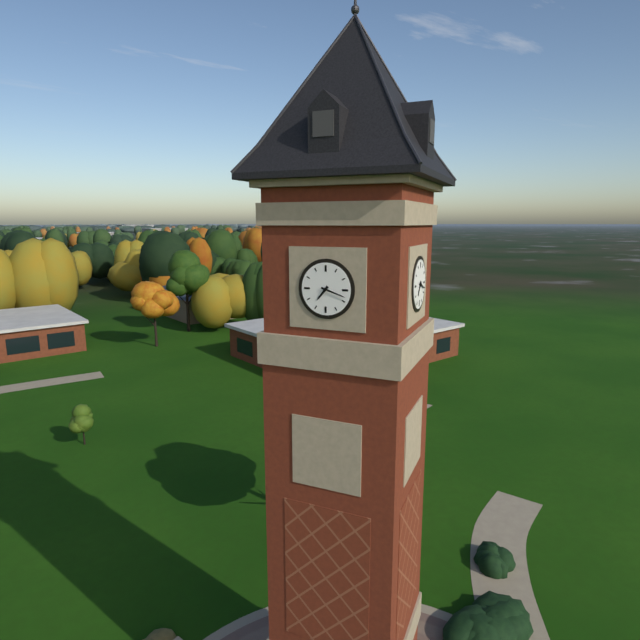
7:18
